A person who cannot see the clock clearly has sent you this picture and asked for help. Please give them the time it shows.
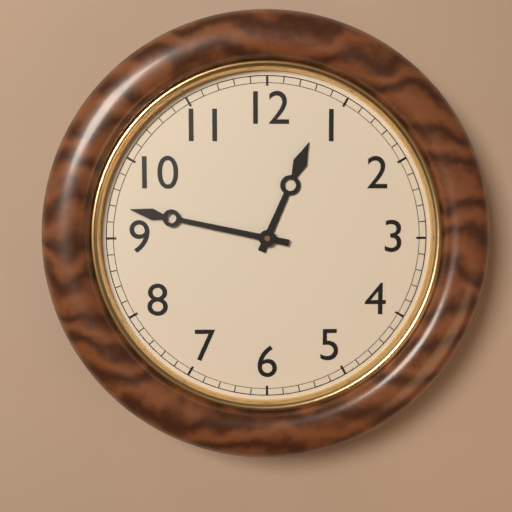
12:47
